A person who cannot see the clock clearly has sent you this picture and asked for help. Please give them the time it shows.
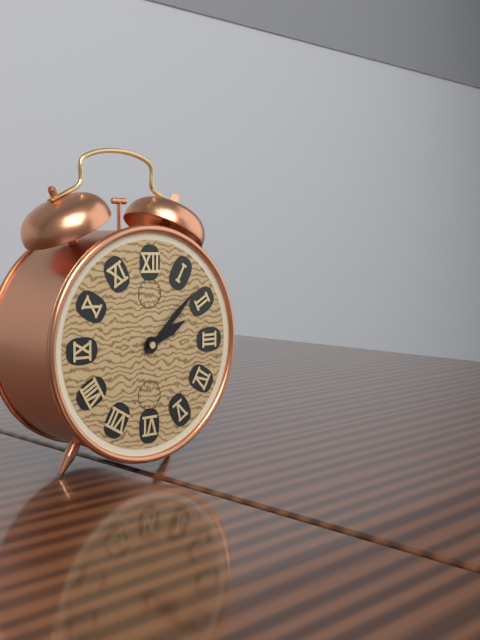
2:08
